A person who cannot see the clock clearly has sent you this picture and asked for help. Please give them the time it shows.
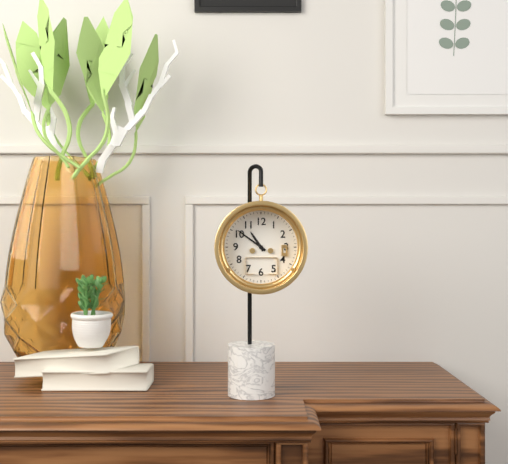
10:51
